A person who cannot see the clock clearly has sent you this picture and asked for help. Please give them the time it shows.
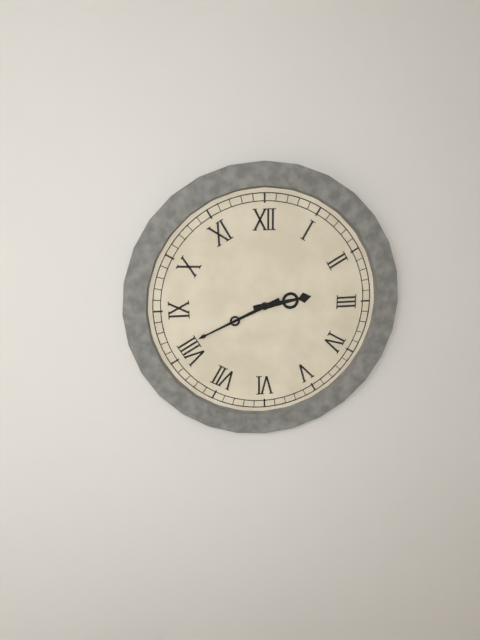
2:41
